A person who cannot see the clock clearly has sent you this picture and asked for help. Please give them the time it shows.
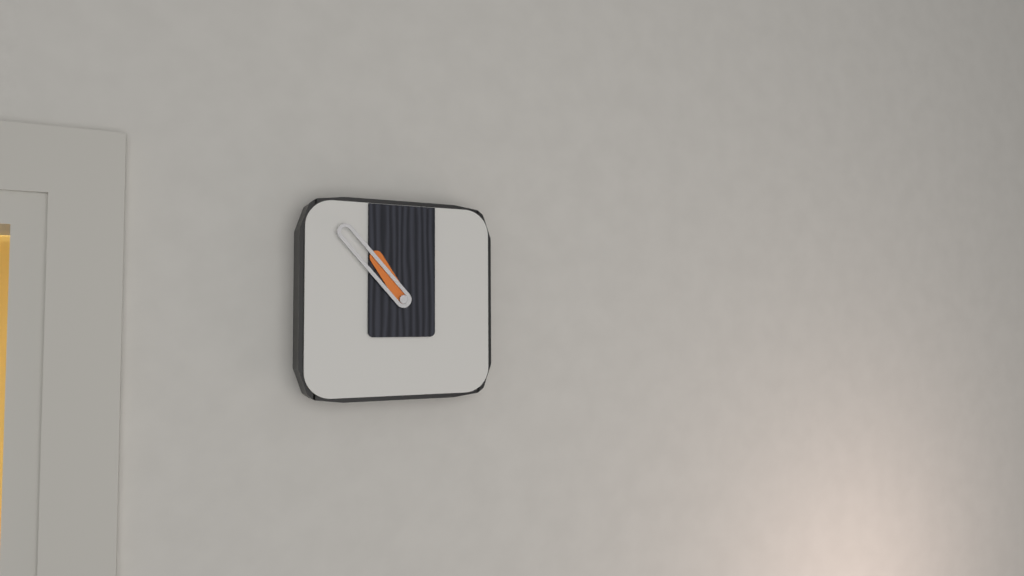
10:53
